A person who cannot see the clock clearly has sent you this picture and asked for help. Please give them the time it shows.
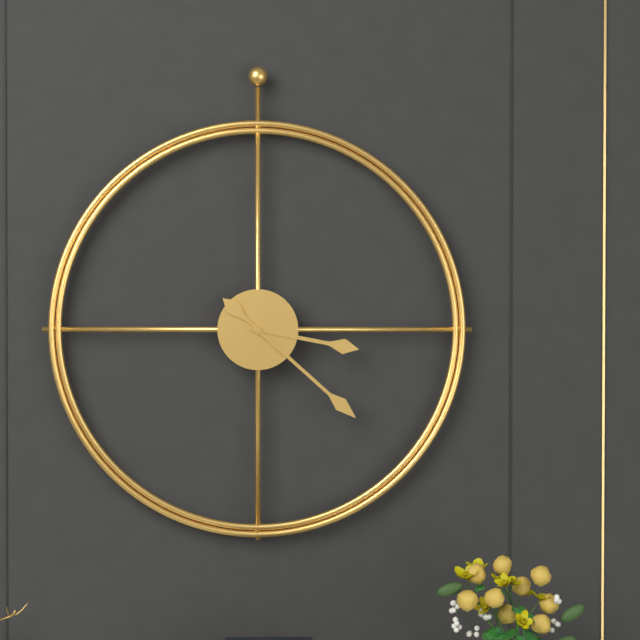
3:22
